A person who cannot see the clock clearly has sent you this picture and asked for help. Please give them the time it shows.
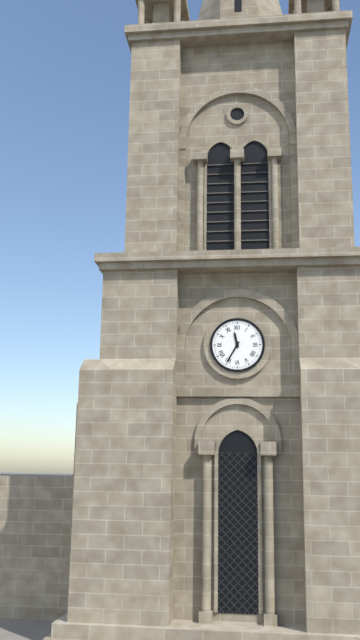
11:35
